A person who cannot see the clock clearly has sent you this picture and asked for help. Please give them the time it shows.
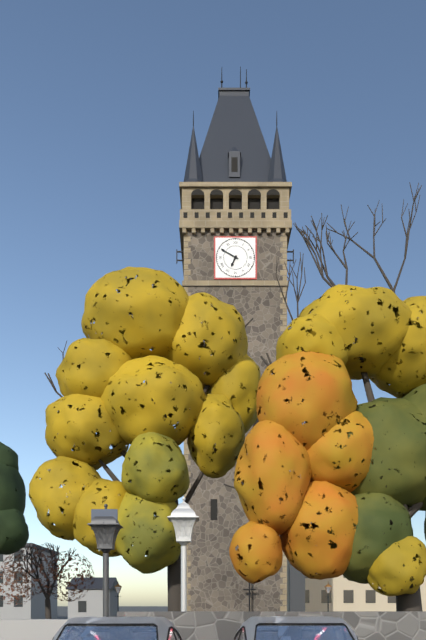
6:50
